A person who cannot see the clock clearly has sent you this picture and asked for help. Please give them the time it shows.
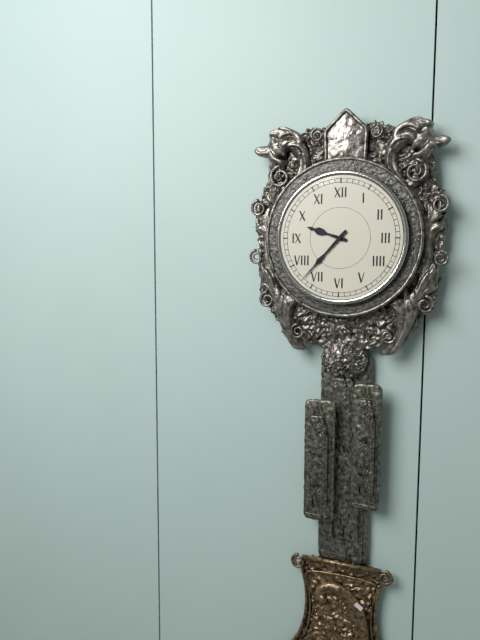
9:37
